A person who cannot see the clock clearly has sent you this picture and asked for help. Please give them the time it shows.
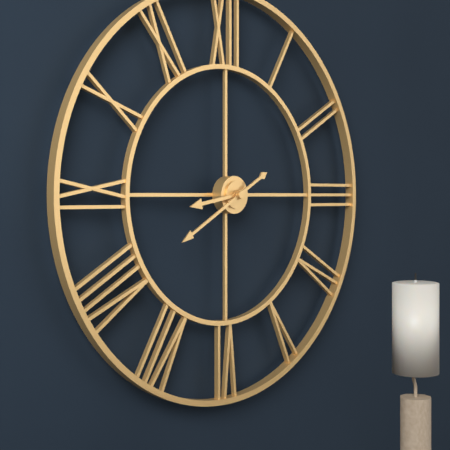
8:40
